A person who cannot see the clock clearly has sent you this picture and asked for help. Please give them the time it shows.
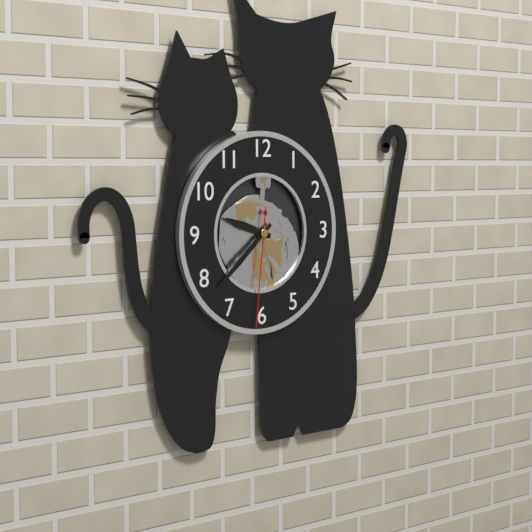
9:38:31
